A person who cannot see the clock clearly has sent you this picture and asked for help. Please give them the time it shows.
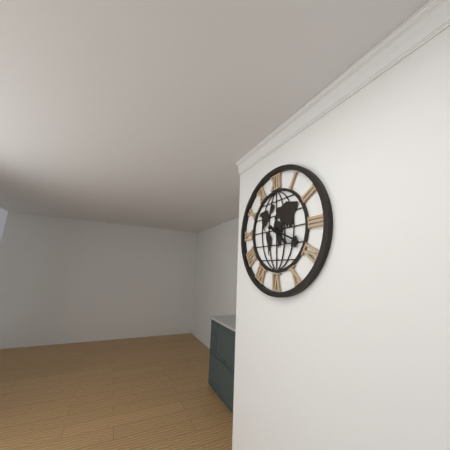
4:19
